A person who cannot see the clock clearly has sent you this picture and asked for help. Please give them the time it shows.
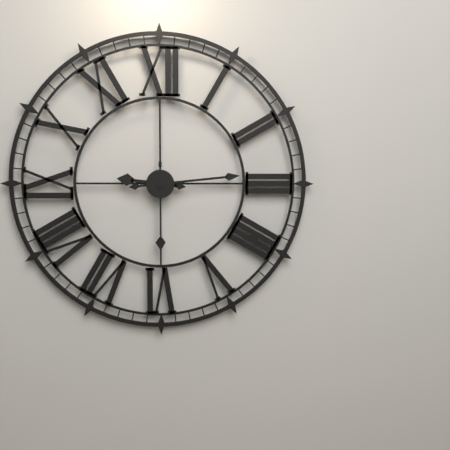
9:14:30
